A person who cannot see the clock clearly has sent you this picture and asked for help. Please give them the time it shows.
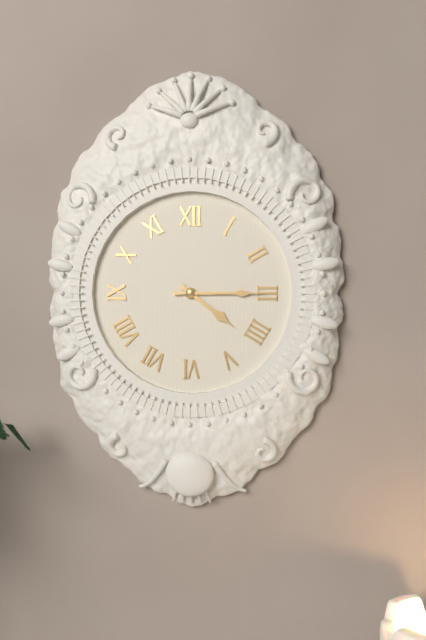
4:15
